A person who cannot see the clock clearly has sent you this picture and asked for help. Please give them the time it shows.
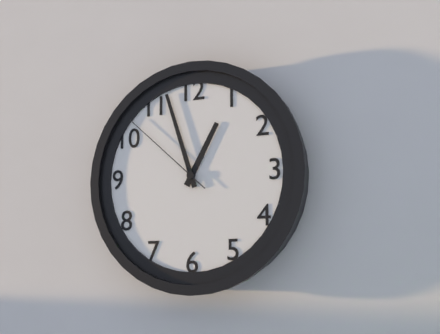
12:57:52
